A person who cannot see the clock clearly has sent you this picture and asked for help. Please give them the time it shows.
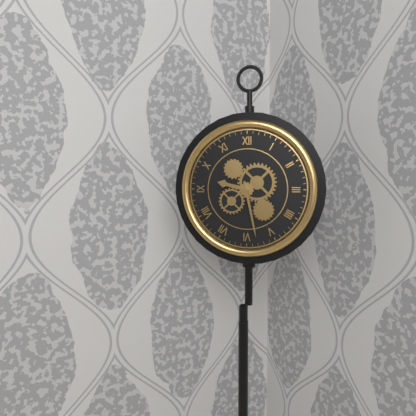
9:28
